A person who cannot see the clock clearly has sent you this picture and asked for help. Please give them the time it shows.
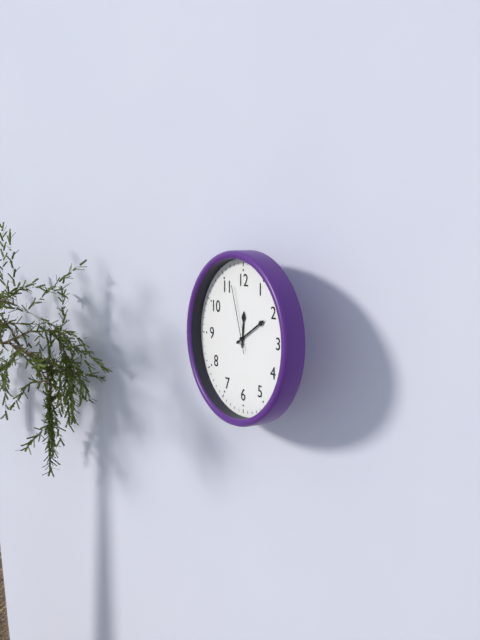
12:10:57
